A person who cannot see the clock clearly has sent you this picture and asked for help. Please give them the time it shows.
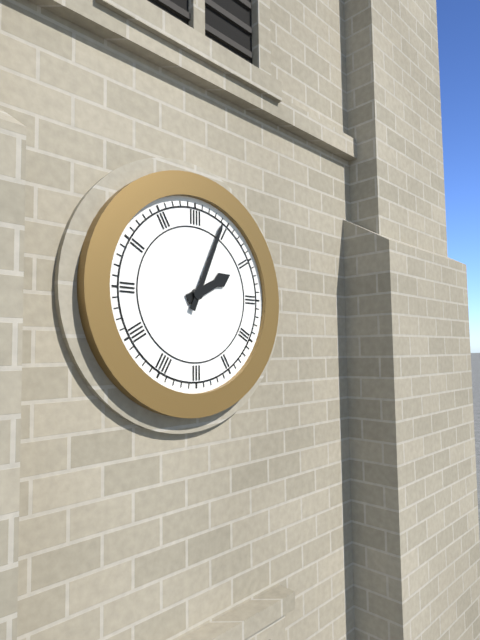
2:04
